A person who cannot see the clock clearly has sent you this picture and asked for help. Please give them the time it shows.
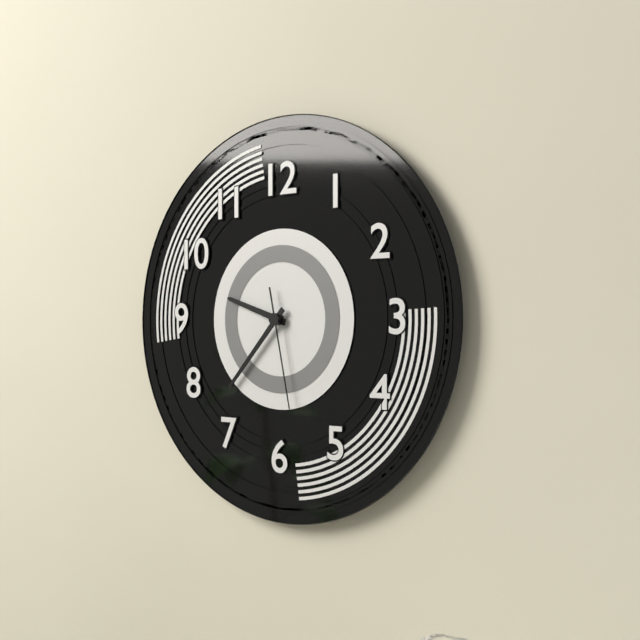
9:37:28
